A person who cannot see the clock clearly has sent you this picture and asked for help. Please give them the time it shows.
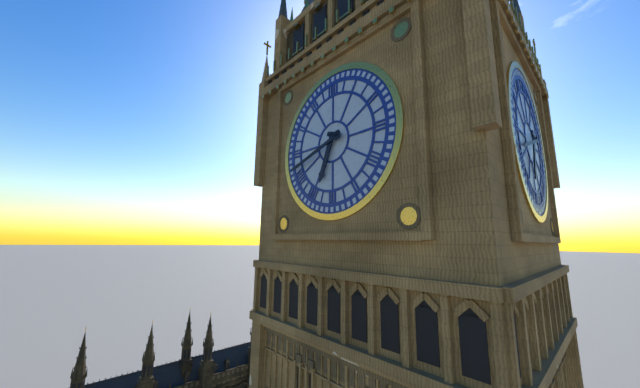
6:42
